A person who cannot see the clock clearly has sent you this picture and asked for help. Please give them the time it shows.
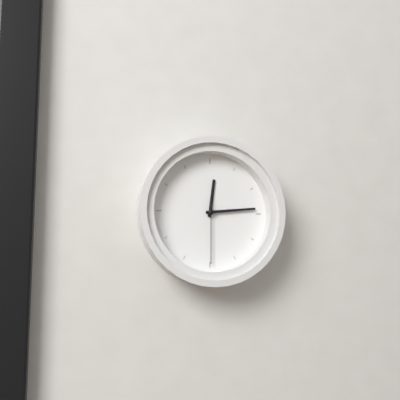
12:14:30
